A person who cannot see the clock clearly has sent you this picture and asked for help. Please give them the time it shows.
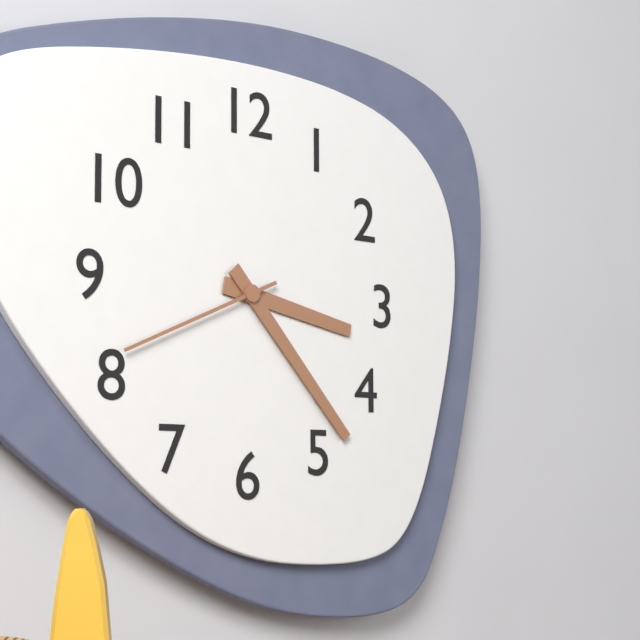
3:23:41
